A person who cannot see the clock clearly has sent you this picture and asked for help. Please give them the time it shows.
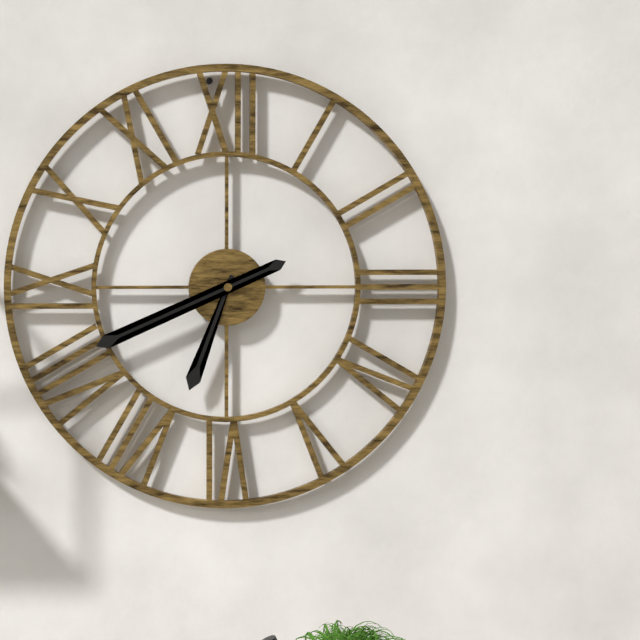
6:41
